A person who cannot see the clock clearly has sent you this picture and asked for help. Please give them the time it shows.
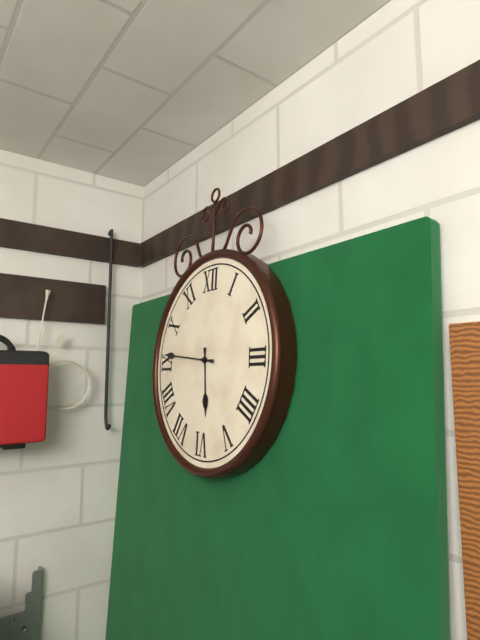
5:46
